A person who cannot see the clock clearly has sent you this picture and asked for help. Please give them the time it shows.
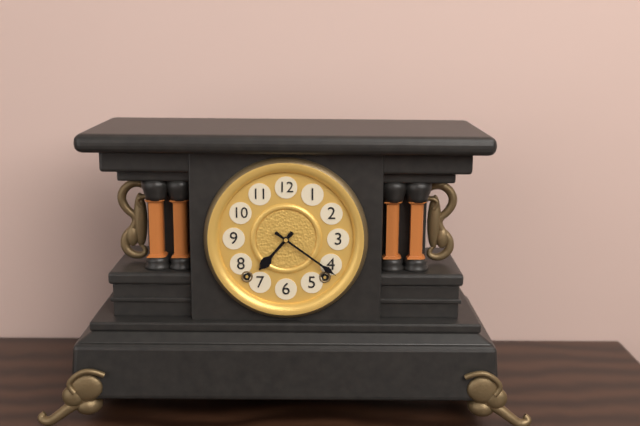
7:21
